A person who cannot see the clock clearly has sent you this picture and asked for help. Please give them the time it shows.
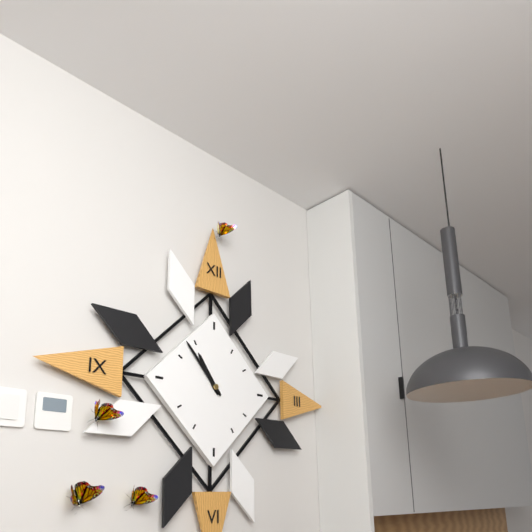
10:53
